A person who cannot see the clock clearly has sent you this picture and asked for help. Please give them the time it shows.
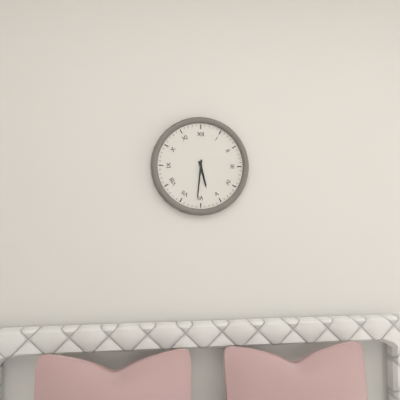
5:31
